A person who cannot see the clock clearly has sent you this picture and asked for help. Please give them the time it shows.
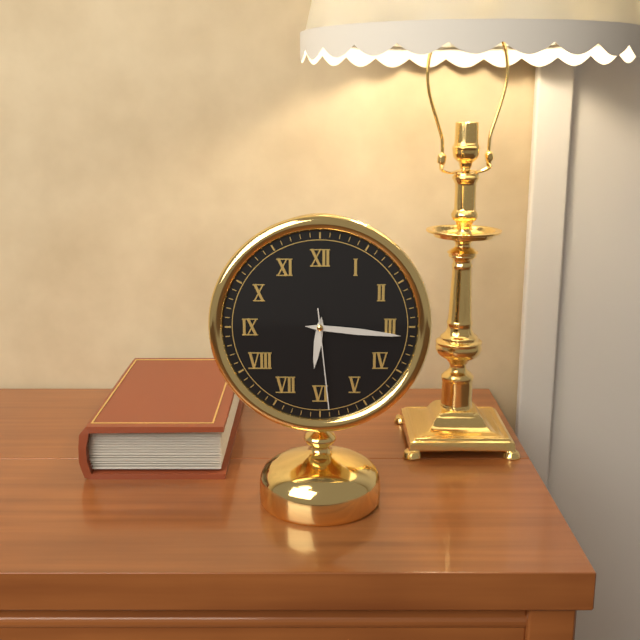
6:16:29
